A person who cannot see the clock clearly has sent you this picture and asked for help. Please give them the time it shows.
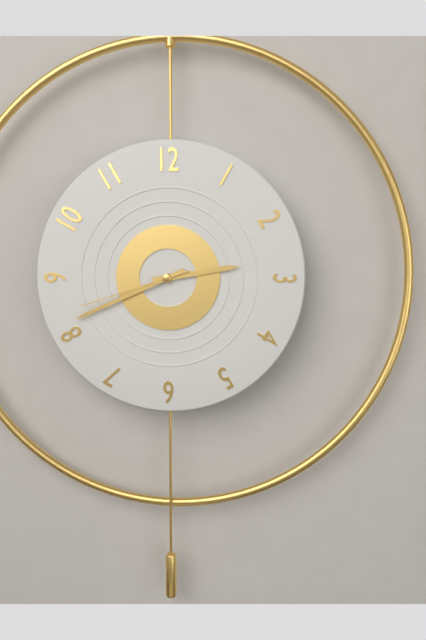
2:41:42
